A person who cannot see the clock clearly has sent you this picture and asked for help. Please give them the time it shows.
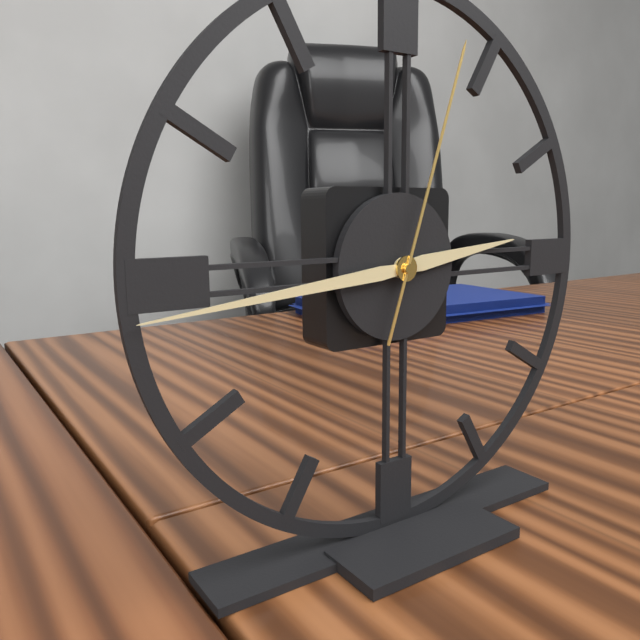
2:44:03
